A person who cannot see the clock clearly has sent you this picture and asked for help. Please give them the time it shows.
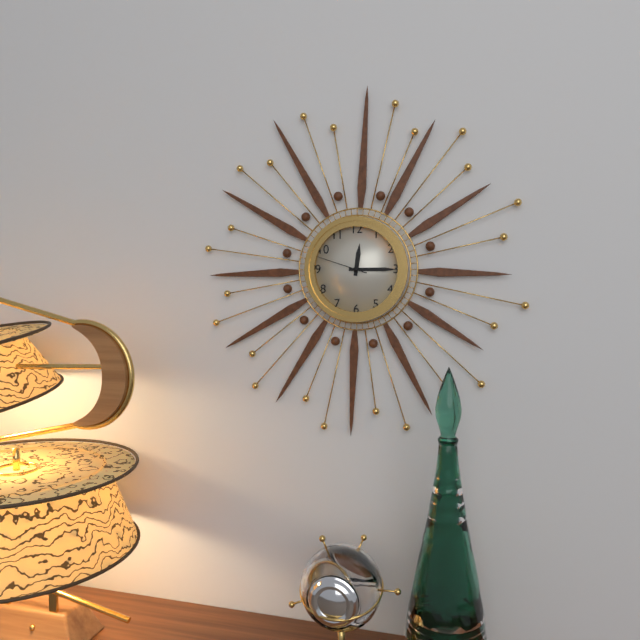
12:15:48
